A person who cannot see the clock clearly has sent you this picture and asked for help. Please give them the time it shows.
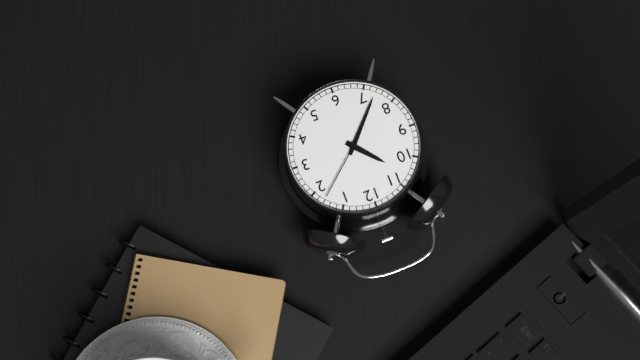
10:37:08
